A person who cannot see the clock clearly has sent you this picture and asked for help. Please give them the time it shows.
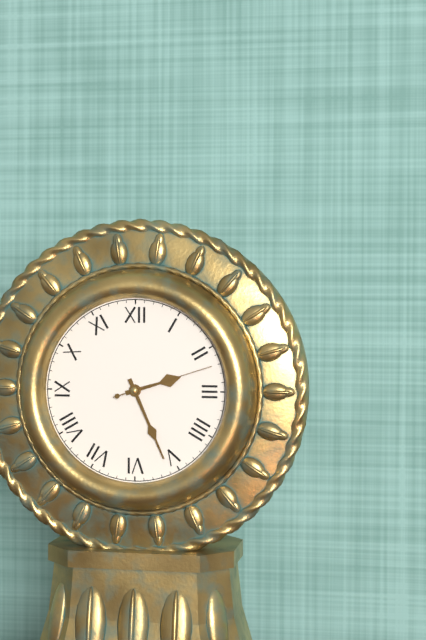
2:26:12
